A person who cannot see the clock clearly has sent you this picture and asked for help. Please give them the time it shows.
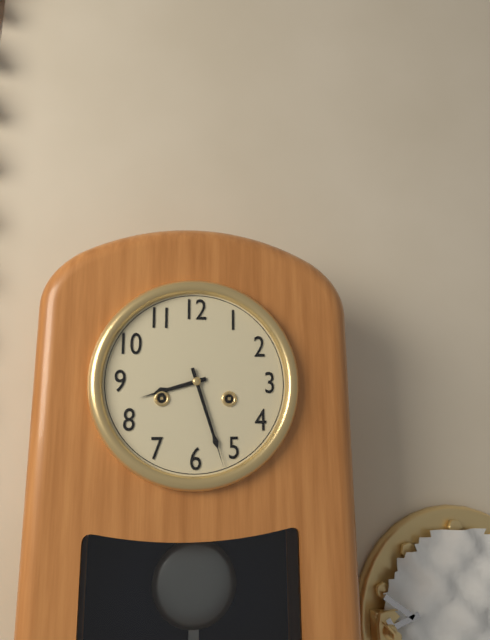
8:27
